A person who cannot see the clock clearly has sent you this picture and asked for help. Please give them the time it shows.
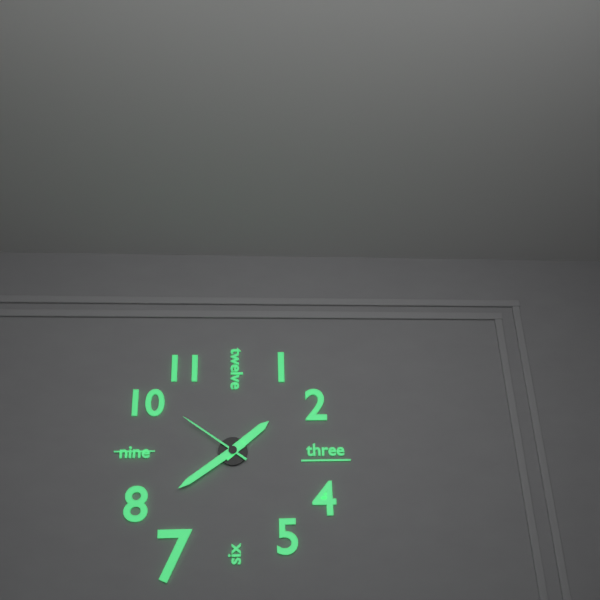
1:39:51
